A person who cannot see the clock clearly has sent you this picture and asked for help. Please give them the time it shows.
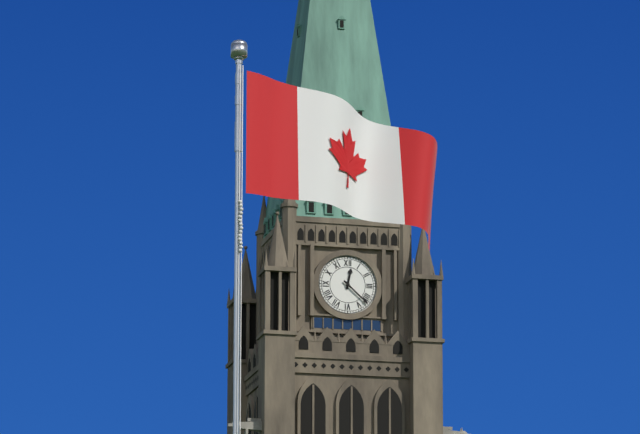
12:22
